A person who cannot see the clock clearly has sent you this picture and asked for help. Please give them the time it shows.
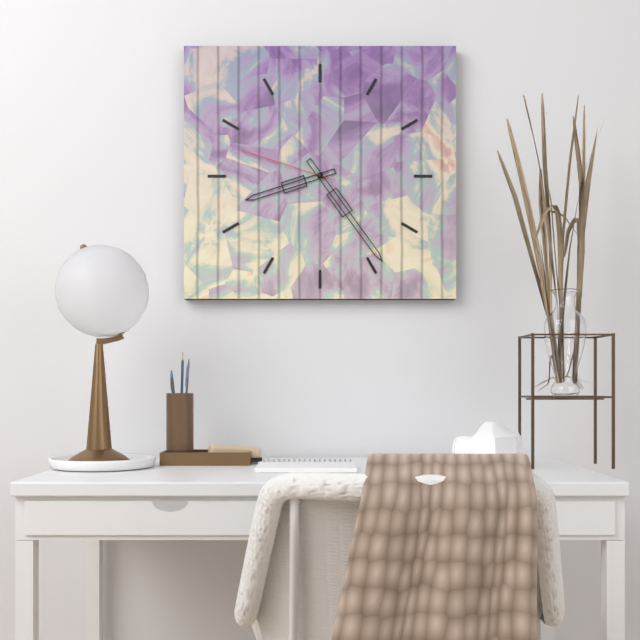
8:24:48
